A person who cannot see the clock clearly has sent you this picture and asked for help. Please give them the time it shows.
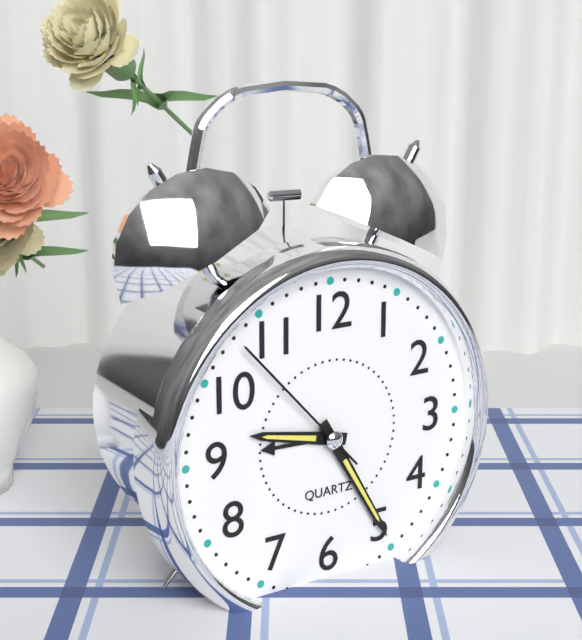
9:25:53
